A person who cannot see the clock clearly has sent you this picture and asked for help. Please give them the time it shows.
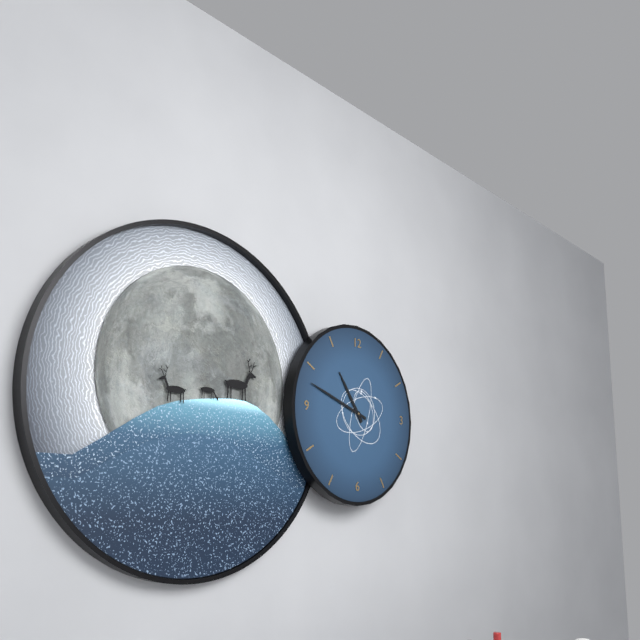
10:48
